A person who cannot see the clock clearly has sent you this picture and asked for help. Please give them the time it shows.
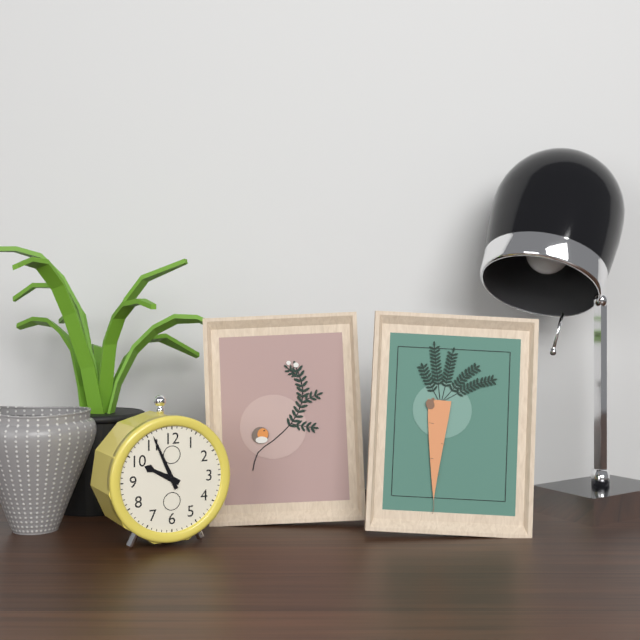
9:56
